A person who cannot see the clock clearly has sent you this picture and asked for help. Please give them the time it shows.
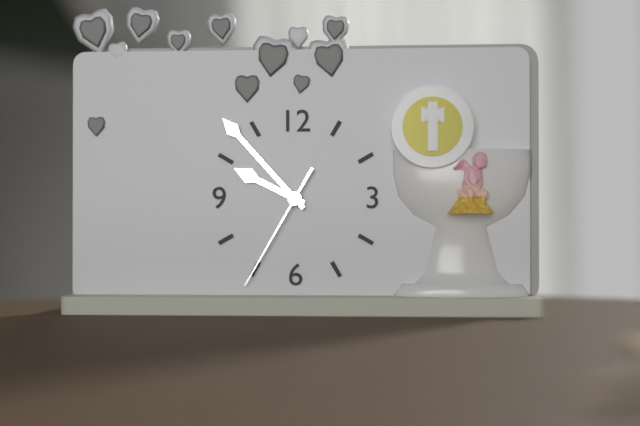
9:53:35
